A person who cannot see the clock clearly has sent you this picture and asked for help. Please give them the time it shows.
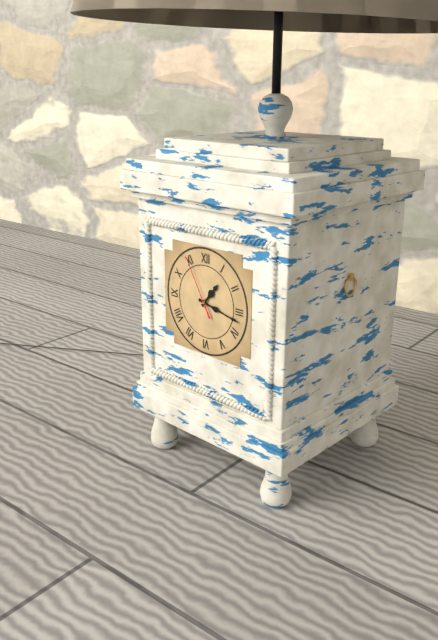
1:17:55
